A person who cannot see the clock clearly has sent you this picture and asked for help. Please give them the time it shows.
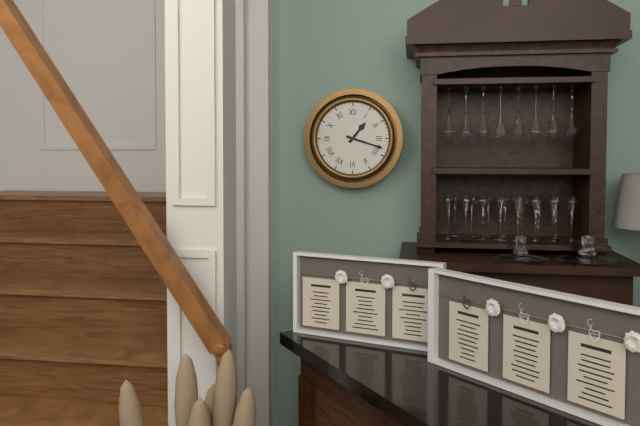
1:18
